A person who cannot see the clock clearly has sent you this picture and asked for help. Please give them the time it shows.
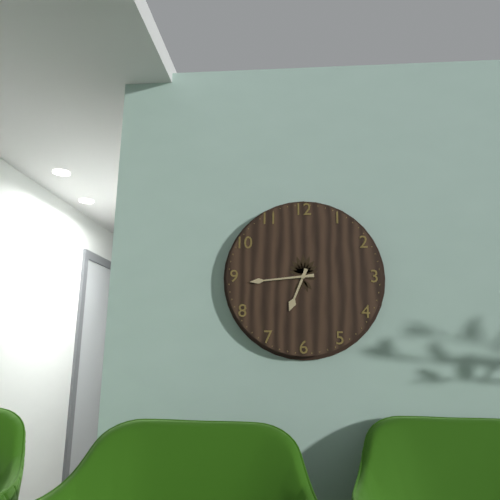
6:44
